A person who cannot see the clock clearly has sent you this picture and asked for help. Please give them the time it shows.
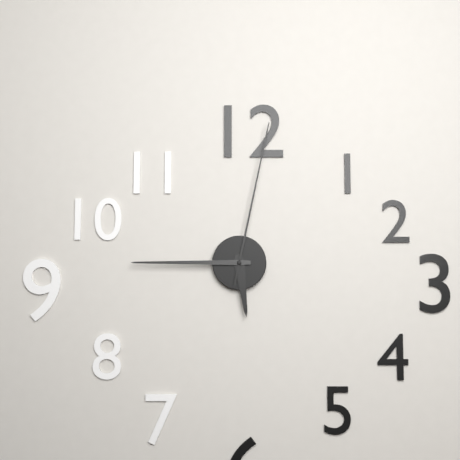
5:45:02
